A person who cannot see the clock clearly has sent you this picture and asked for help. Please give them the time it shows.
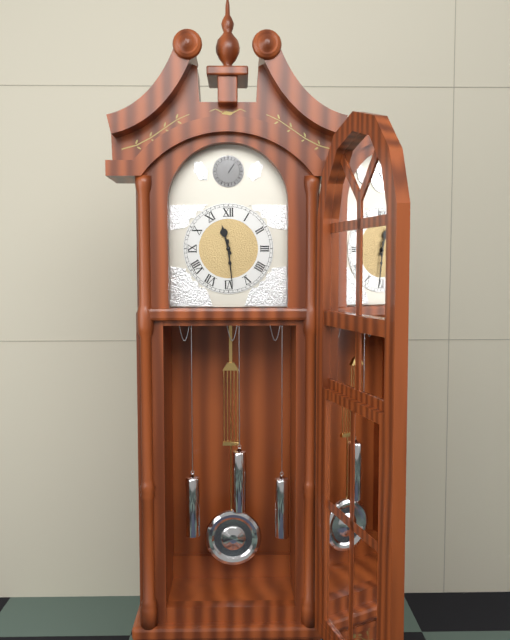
11:29
